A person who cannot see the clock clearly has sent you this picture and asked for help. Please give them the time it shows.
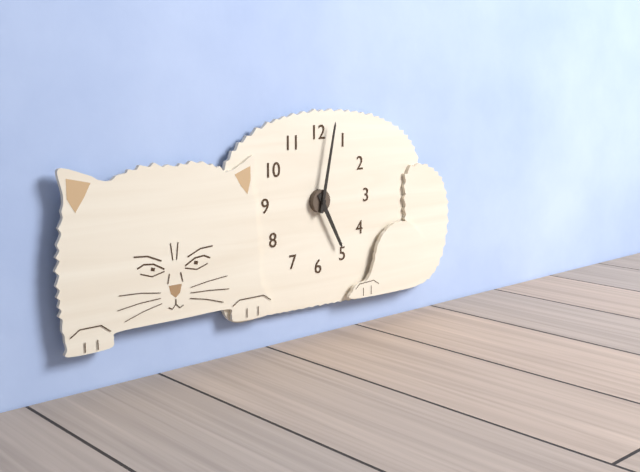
5:02
